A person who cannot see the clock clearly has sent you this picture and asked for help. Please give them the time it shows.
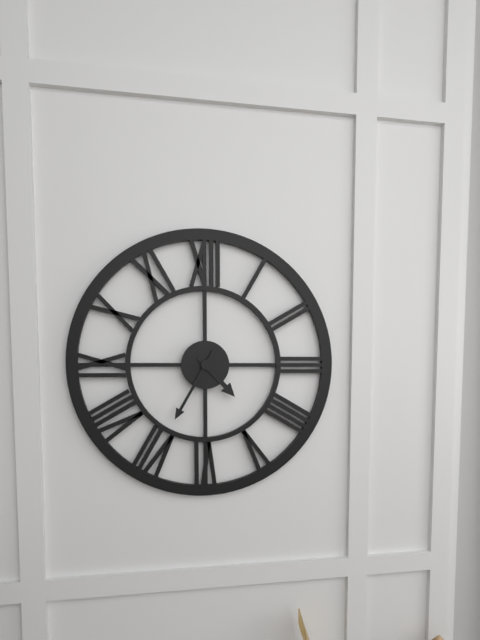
4:35
